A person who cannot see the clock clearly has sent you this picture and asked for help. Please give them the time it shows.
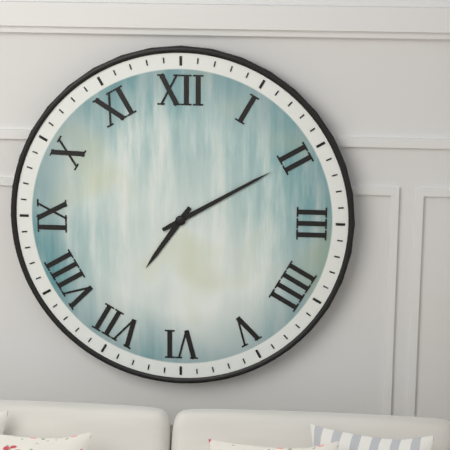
7:10
